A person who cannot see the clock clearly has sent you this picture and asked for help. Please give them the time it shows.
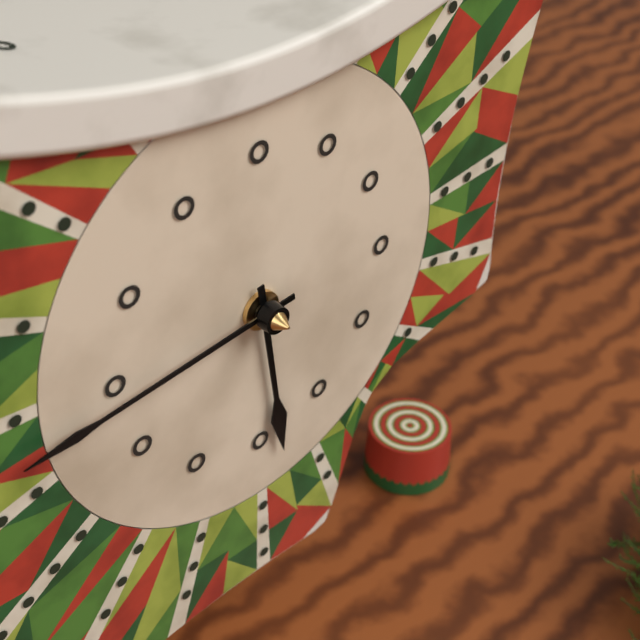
5:44
